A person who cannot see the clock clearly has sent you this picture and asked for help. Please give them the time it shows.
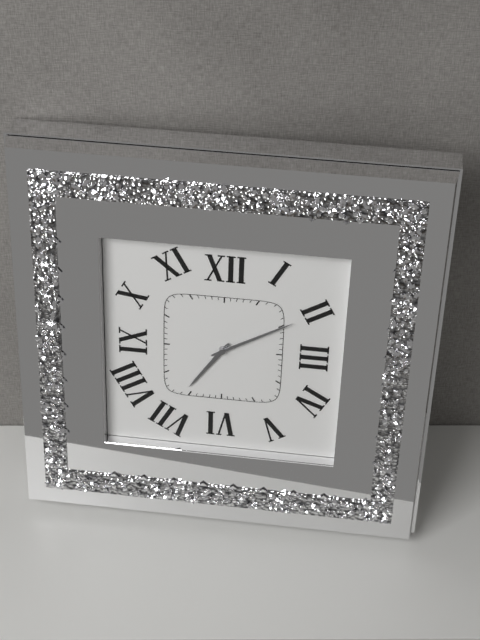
7:10
